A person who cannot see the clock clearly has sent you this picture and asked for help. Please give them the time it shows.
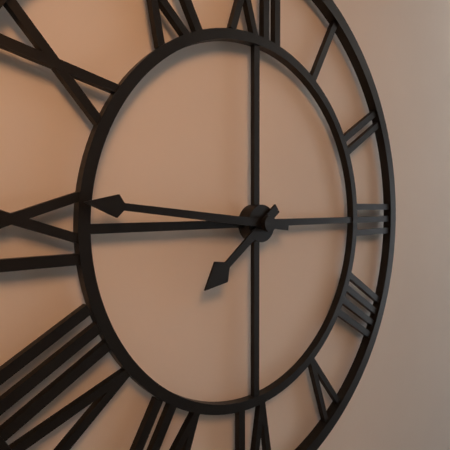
7:46
